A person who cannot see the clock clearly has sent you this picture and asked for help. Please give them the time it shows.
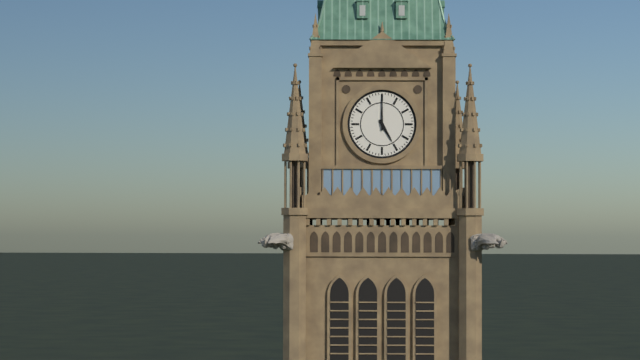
5:00
